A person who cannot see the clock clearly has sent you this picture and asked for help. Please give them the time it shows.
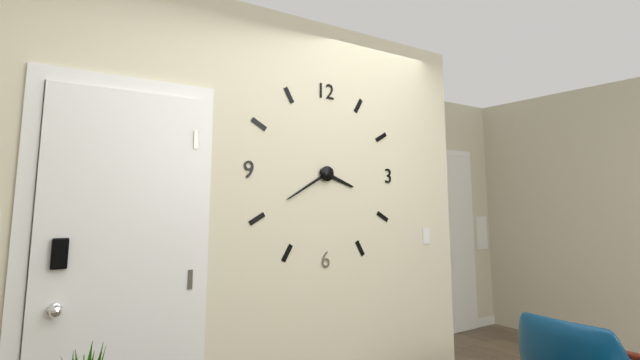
3:40
